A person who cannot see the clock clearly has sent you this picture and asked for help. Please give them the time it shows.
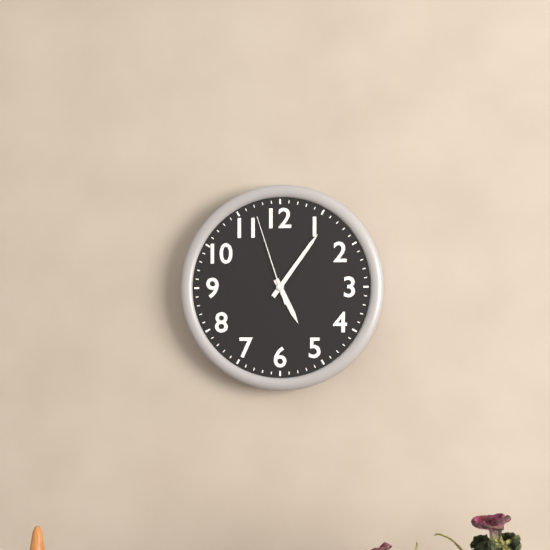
5:06:57
